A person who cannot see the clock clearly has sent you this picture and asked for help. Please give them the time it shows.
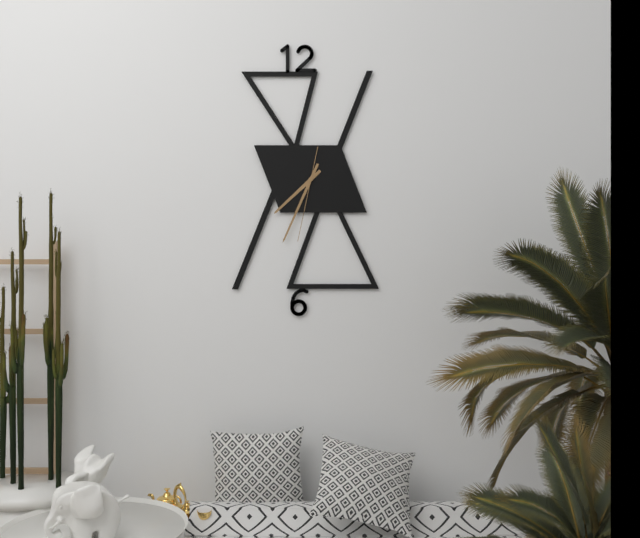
7:34:32
